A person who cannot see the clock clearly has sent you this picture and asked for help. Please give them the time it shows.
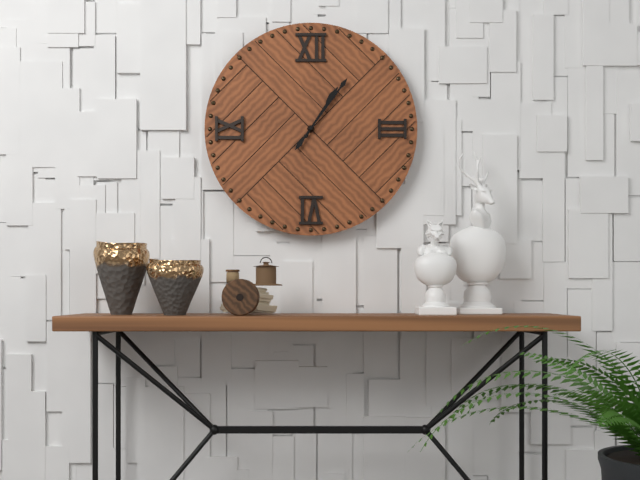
1:06
